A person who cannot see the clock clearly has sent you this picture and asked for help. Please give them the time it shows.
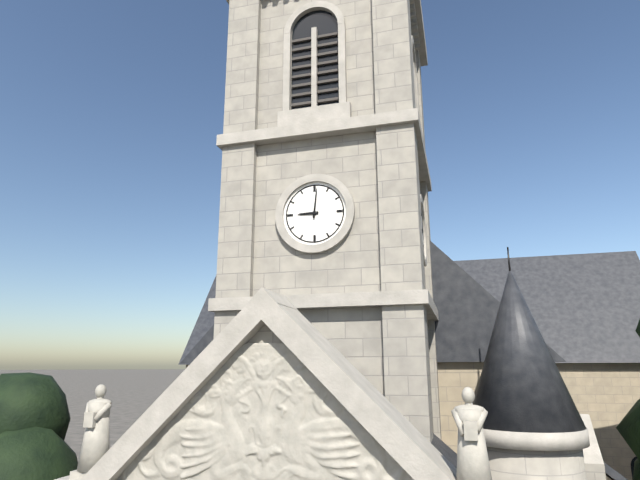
9:01
